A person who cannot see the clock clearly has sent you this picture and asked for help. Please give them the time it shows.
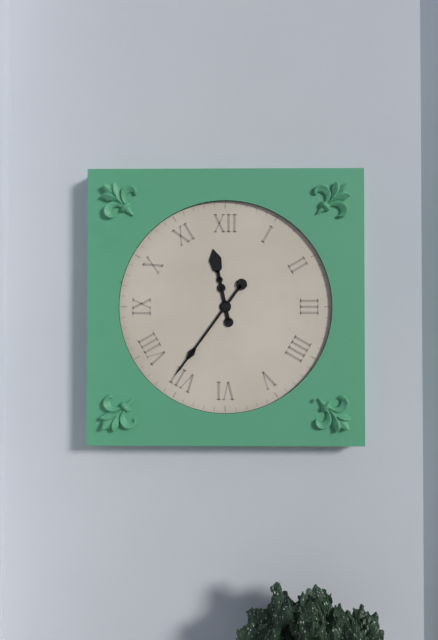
11:36
